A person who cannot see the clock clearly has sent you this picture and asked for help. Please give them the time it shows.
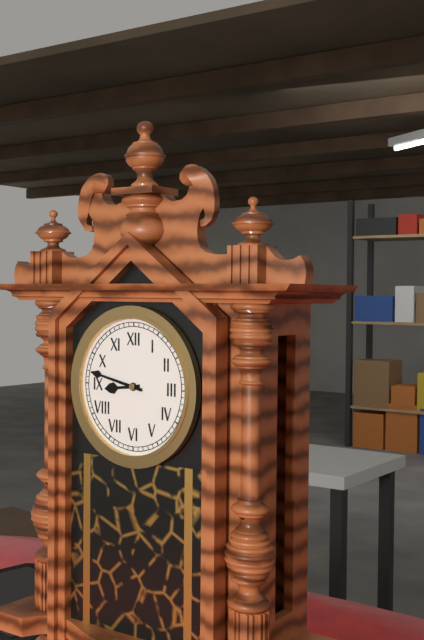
8:47
